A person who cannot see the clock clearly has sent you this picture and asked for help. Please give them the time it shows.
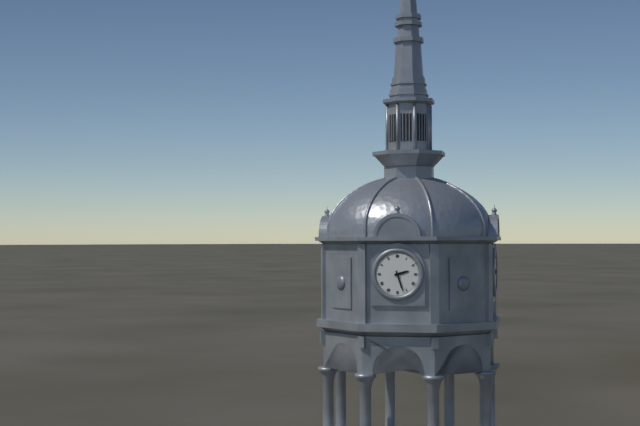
2:27
